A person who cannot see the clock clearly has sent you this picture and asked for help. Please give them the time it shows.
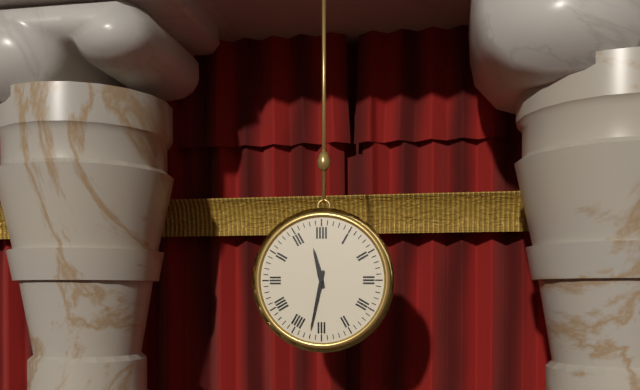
11:32
